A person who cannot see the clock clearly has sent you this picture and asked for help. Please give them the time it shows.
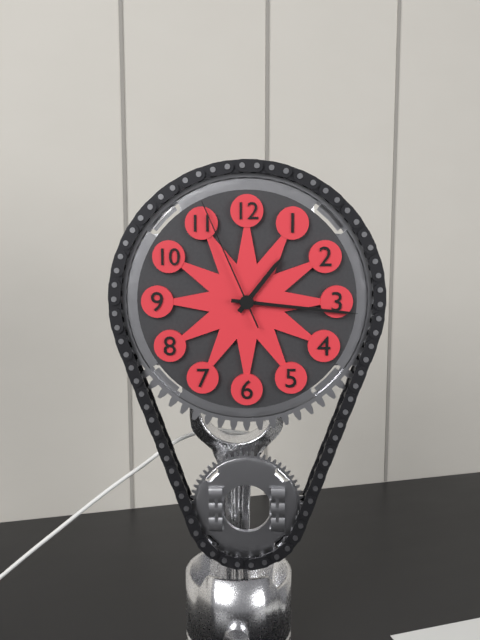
1:16:56
